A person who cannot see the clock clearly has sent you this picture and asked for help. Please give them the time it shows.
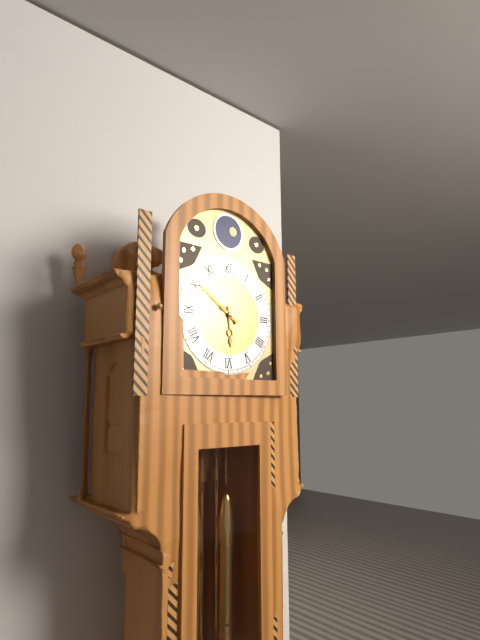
5:51
